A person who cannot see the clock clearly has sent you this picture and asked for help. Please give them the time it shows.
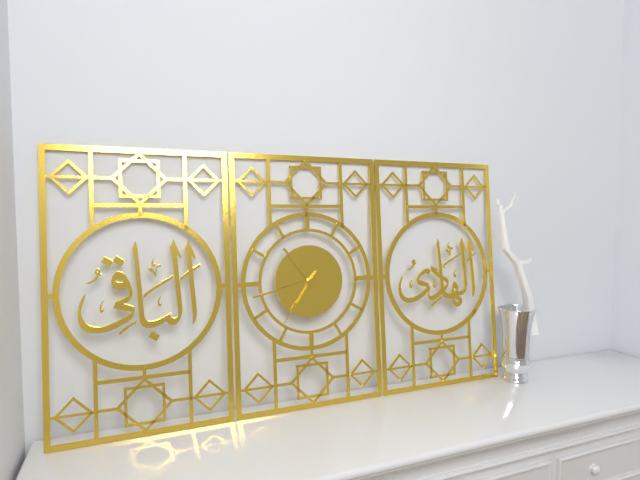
10:43:36
